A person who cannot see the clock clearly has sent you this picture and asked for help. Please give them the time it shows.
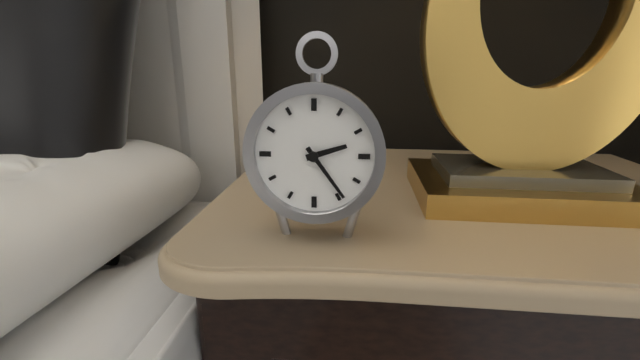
2:24
